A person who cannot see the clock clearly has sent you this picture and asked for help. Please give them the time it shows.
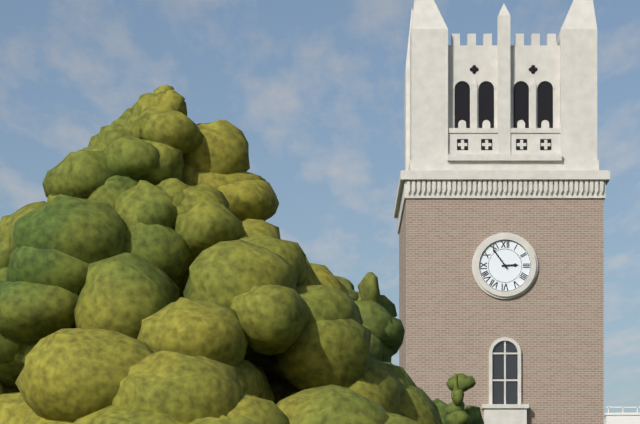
2:54
